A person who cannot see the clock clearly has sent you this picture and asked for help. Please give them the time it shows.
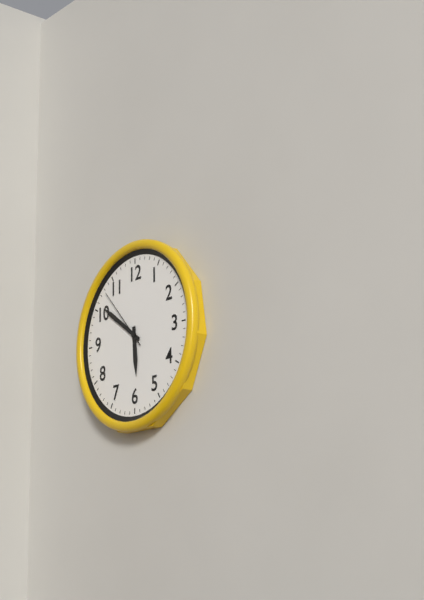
5:51:53
